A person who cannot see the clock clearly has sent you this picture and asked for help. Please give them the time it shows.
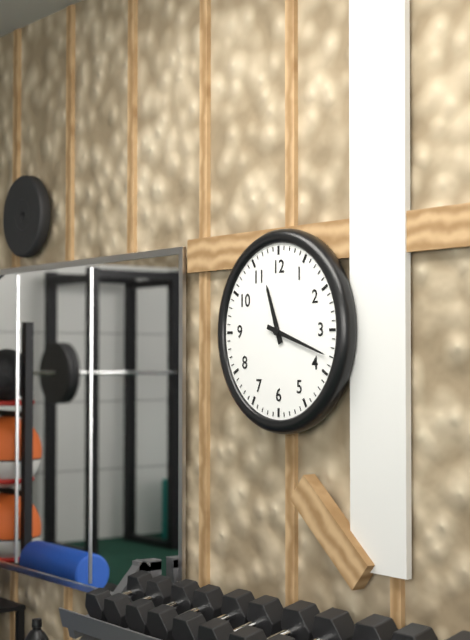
11:18
